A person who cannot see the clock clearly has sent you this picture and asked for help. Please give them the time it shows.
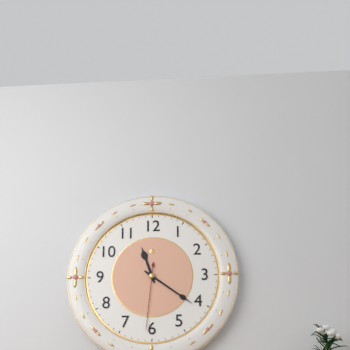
11:21:31
